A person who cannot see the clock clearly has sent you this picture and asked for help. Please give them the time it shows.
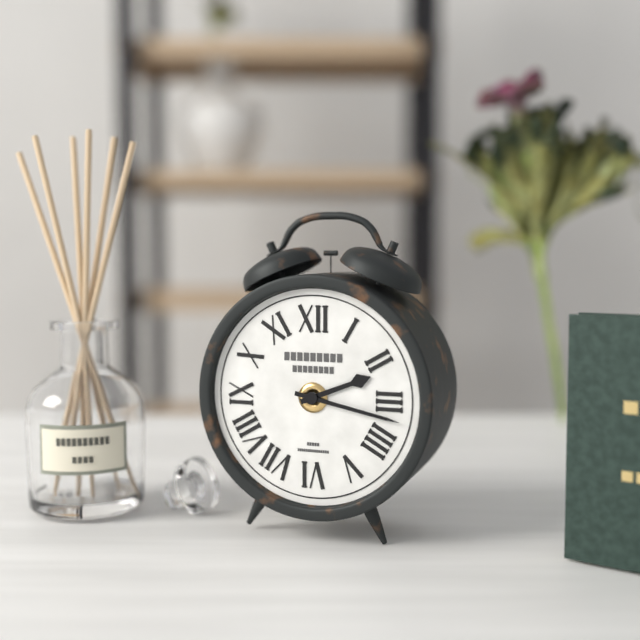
2:17
